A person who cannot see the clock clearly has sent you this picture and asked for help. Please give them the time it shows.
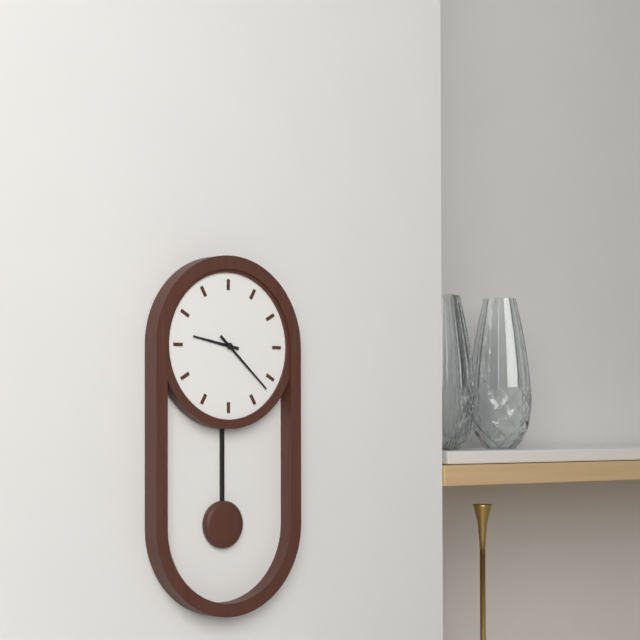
9:22
